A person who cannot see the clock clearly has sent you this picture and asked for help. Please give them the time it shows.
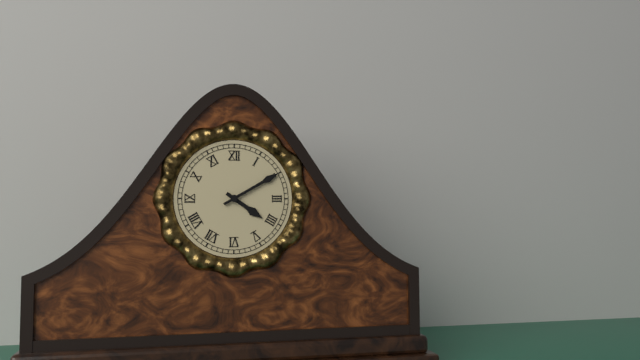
4:10
